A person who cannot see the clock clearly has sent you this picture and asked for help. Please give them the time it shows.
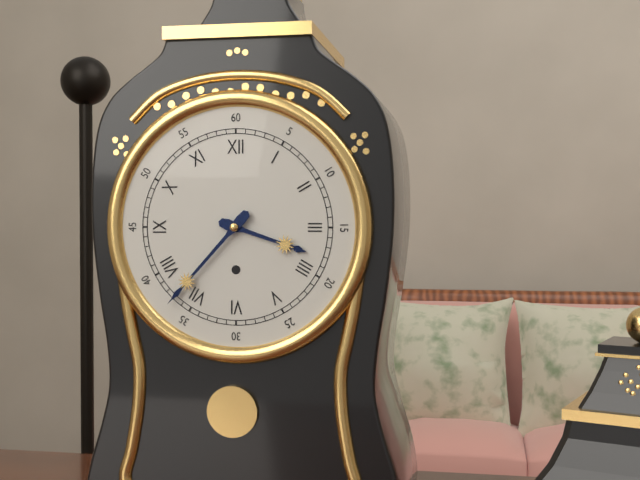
3:37
